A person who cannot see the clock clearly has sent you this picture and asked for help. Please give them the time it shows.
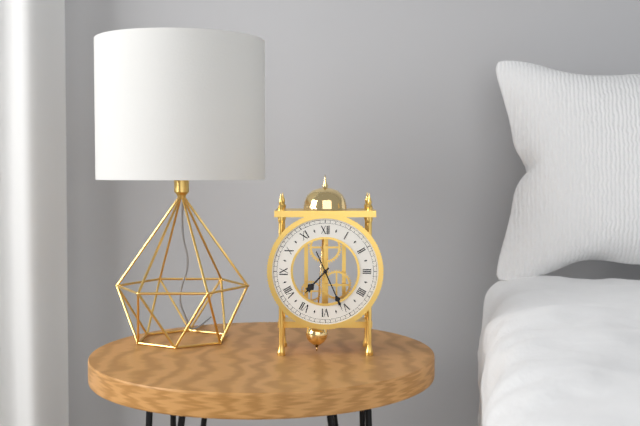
7:26
